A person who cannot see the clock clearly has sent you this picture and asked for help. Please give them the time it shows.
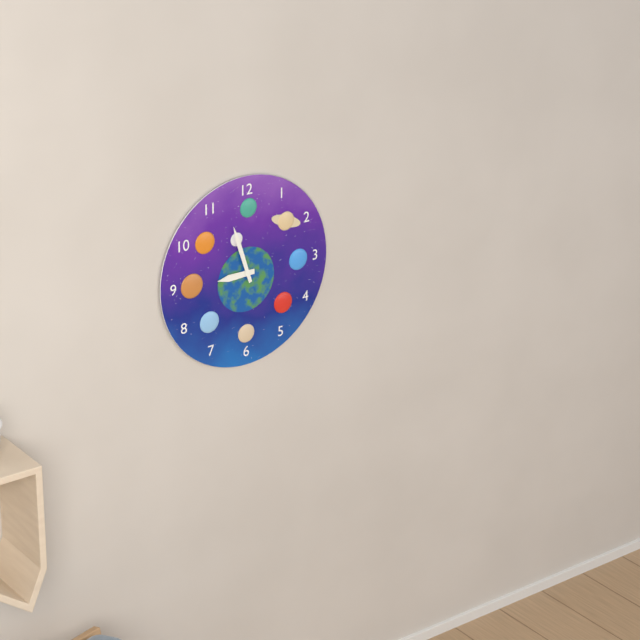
8:57
